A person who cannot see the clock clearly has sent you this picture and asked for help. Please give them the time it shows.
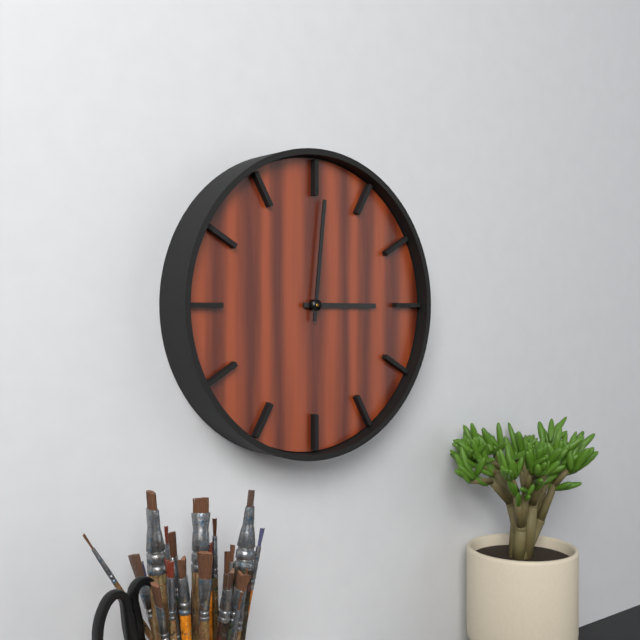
3:01
